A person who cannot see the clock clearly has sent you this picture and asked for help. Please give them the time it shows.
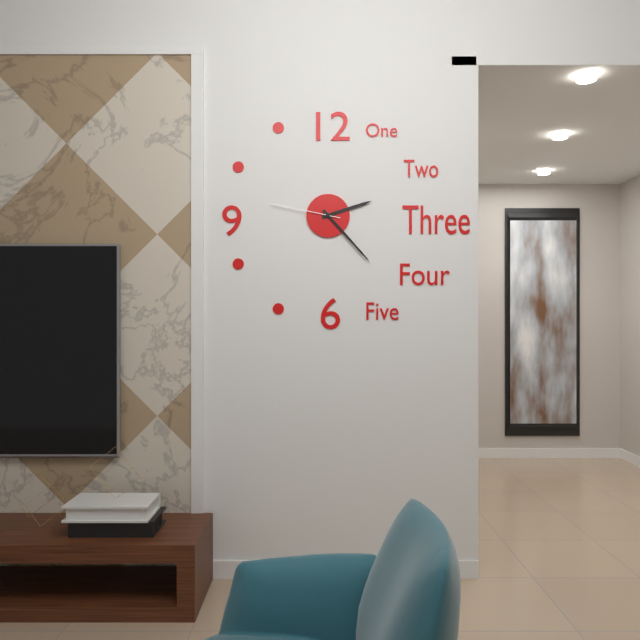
2:23:47
